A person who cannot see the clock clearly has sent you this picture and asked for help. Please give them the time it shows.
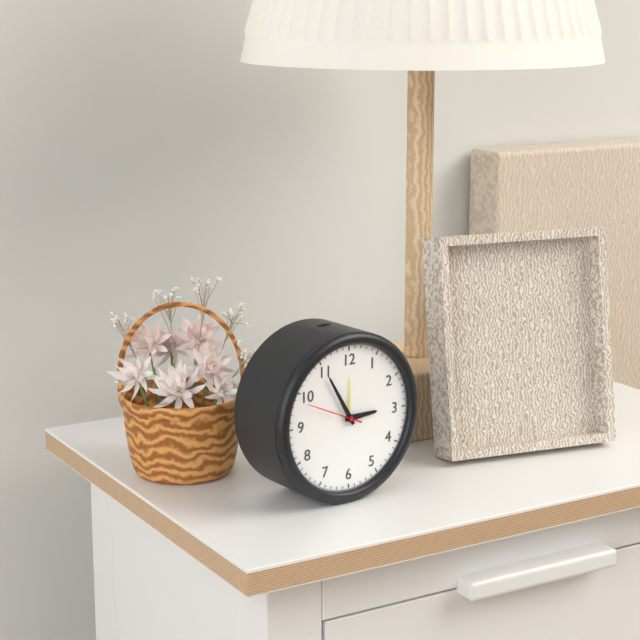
2:55:49
